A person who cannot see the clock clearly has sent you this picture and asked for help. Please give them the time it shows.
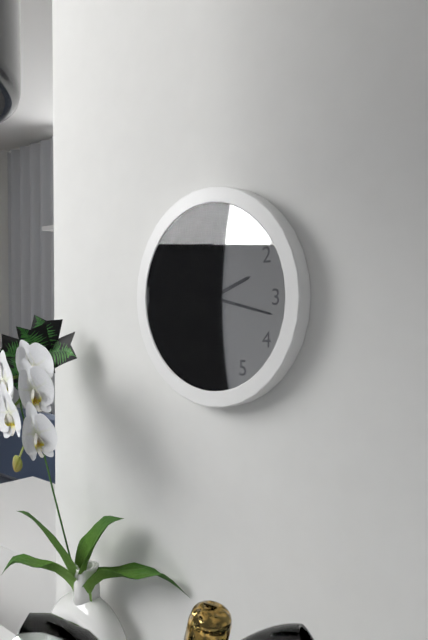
2:17
